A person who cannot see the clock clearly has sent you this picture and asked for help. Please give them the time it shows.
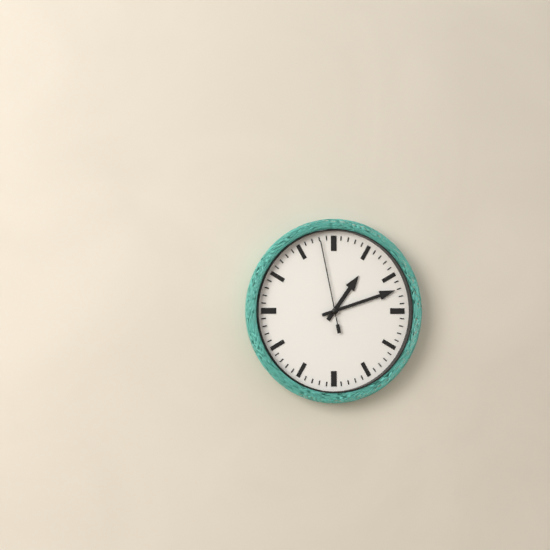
1:12:58
